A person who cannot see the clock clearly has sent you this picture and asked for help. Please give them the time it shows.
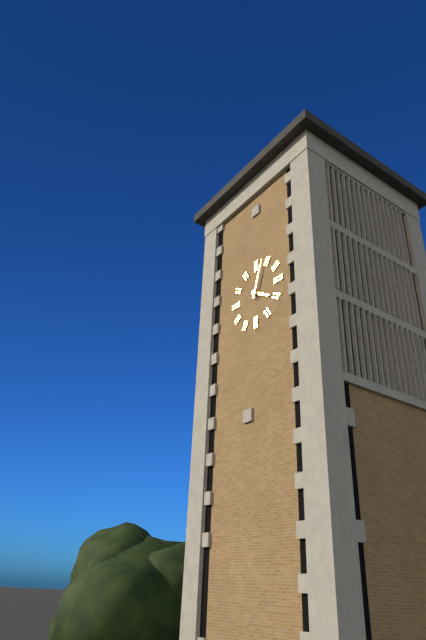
4:03
